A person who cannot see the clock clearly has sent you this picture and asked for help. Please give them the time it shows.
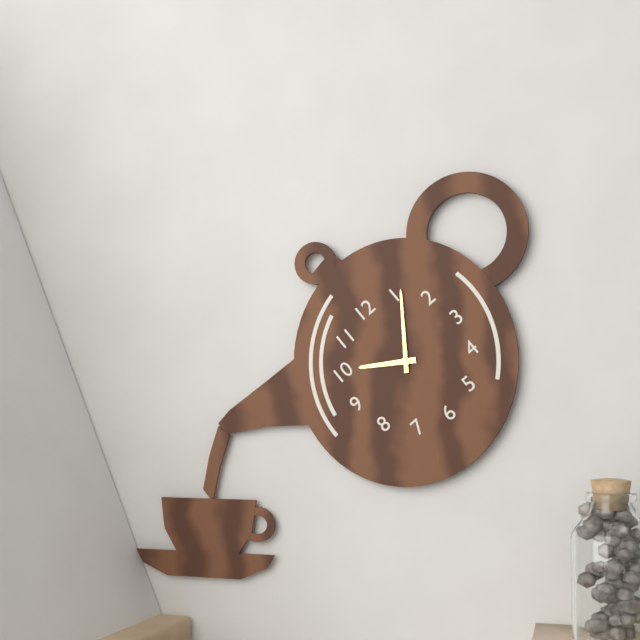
10:06
